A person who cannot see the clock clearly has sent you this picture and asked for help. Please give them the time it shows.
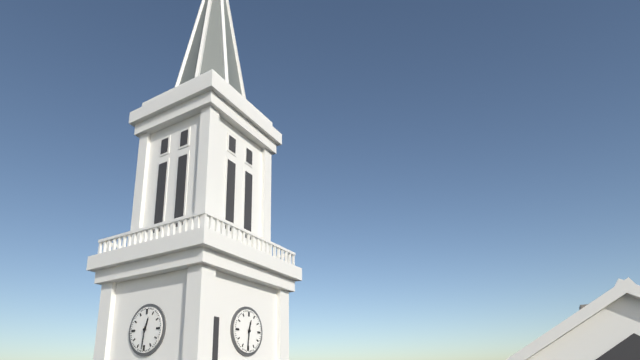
12:31
